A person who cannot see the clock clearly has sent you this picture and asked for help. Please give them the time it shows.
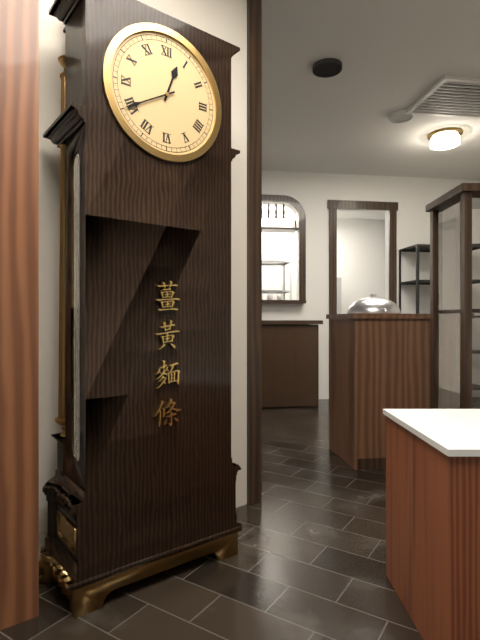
12:40
